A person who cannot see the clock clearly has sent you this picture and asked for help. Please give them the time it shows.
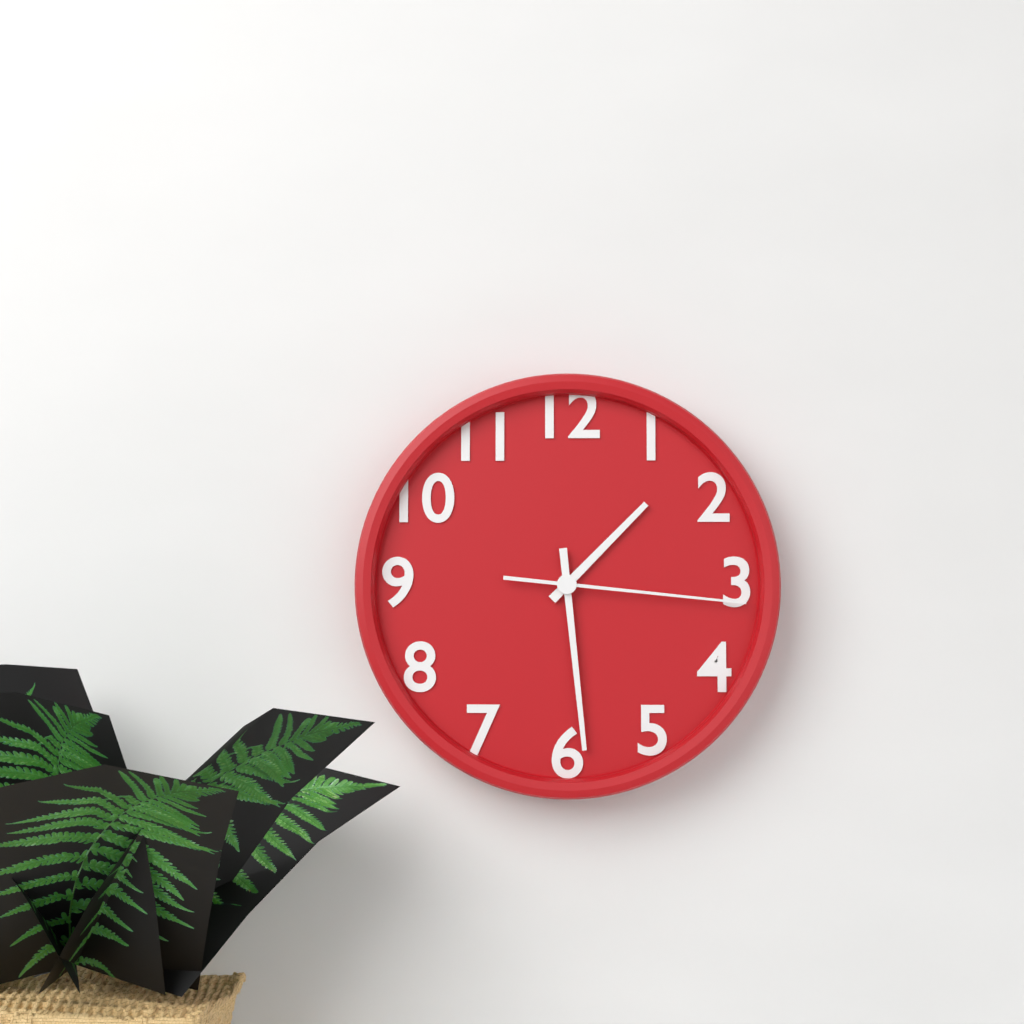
1:29:16
